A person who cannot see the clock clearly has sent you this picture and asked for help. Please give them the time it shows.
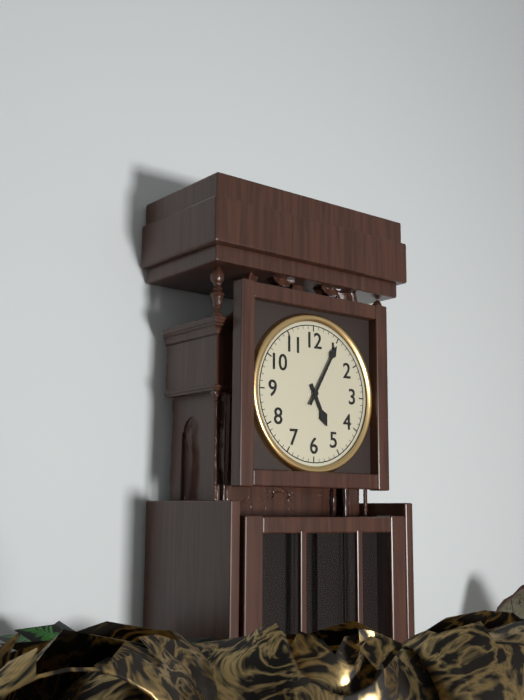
5:05
